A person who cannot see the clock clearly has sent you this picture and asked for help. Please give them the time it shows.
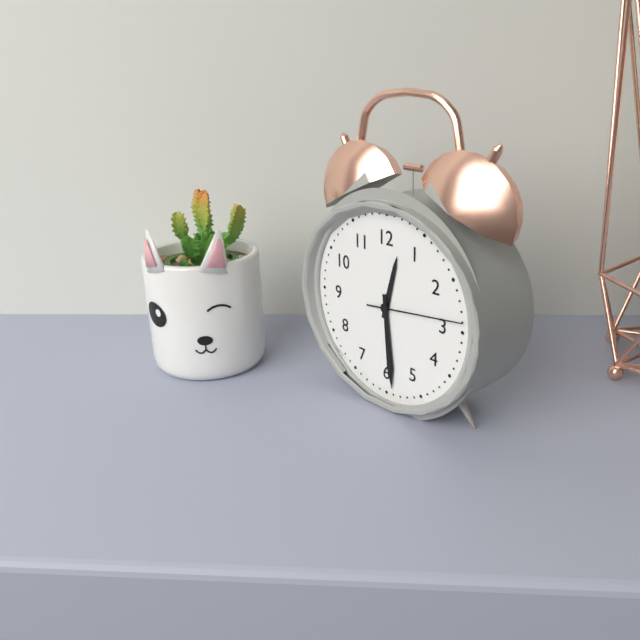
12:29:14
